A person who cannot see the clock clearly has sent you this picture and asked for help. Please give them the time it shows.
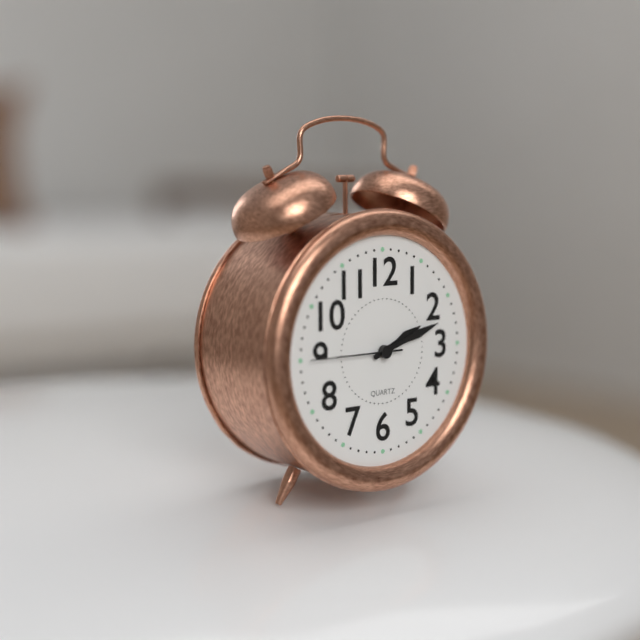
2:12:45
